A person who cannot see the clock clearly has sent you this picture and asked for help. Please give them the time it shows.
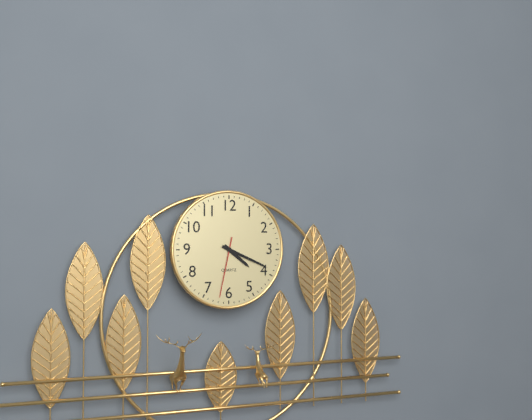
4:19:32
